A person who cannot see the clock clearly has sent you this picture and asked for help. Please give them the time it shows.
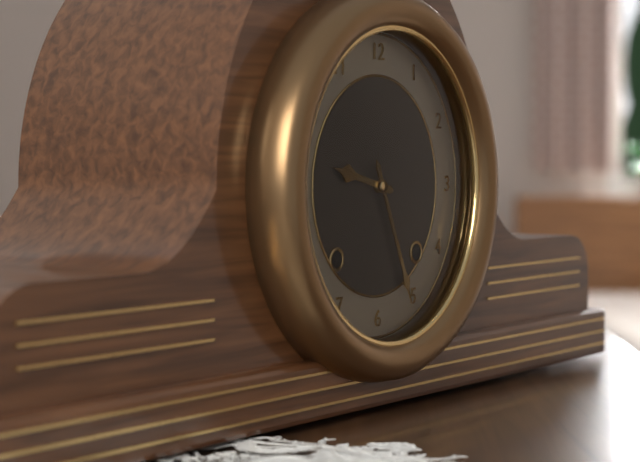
9:26
